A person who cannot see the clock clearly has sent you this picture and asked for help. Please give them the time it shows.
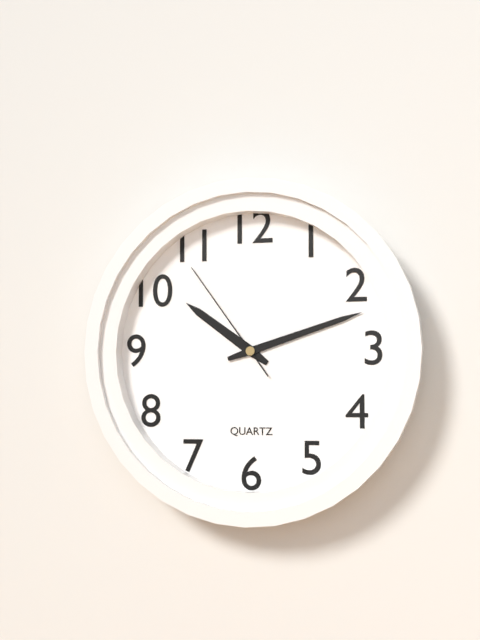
10:12:54
